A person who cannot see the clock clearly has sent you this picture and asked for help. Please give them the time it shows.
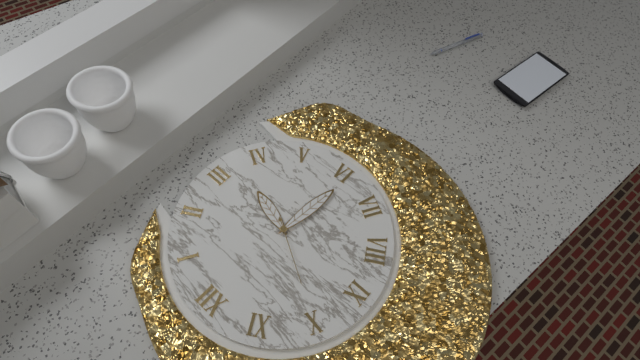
3:31:50
